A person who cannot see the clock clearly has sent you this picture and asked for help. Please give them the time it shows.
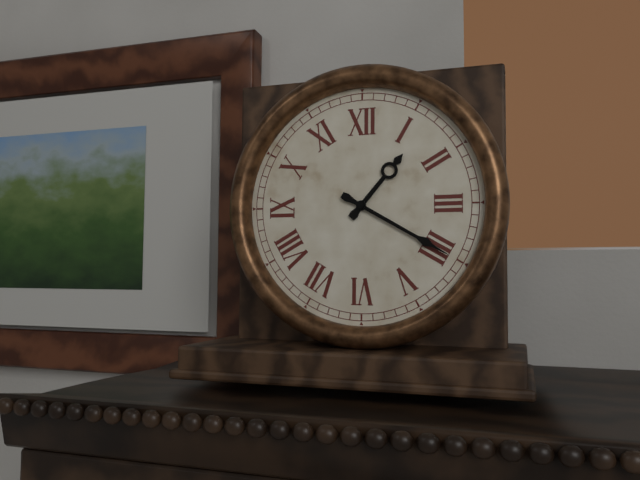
1:20
